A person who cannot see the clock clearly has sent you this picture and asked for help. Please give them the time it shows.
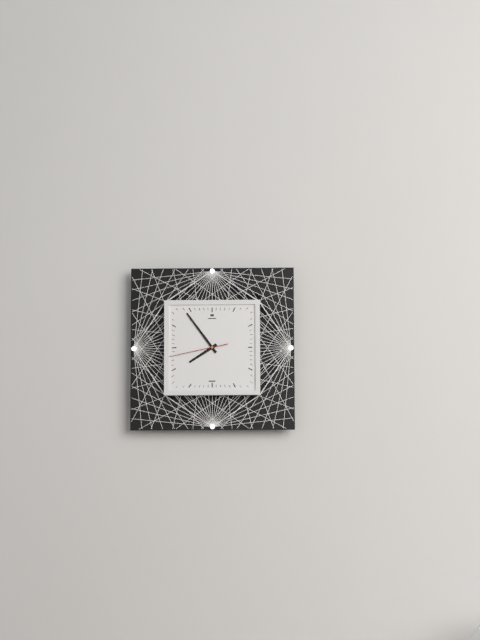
7:54:43
